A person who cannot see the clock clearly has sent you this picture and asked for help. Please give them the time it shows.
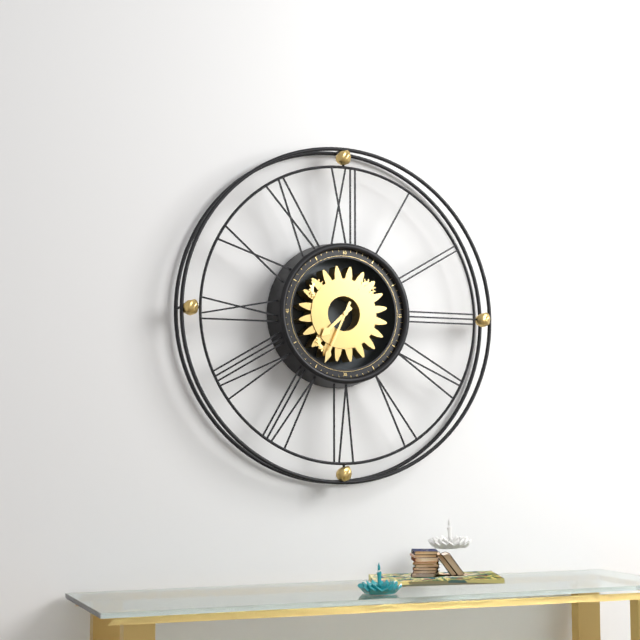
7:34
